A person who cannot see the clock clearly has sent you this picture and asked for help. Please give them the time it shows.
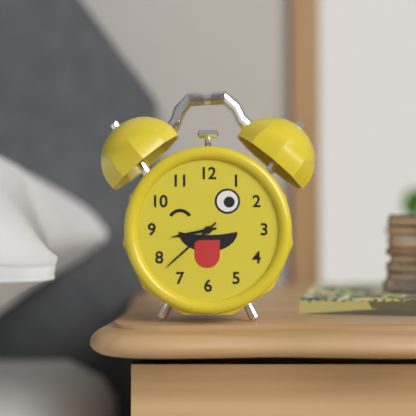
8:38
